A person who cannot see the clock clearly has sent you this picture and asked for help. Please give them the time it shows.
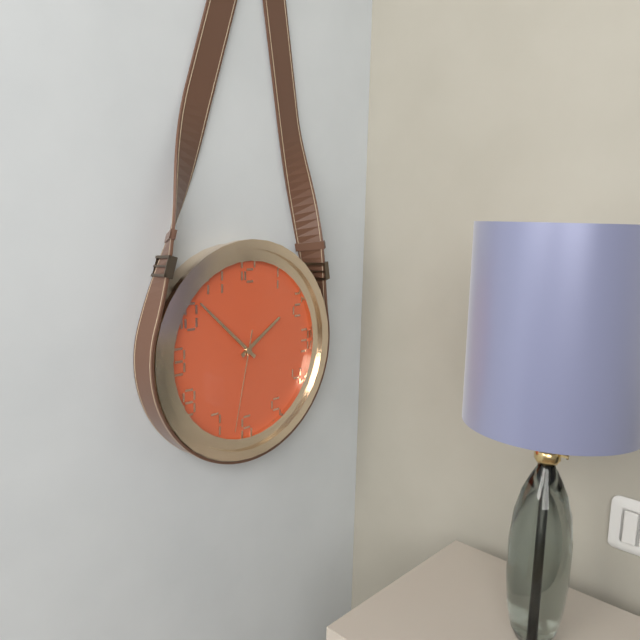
1:52:32
